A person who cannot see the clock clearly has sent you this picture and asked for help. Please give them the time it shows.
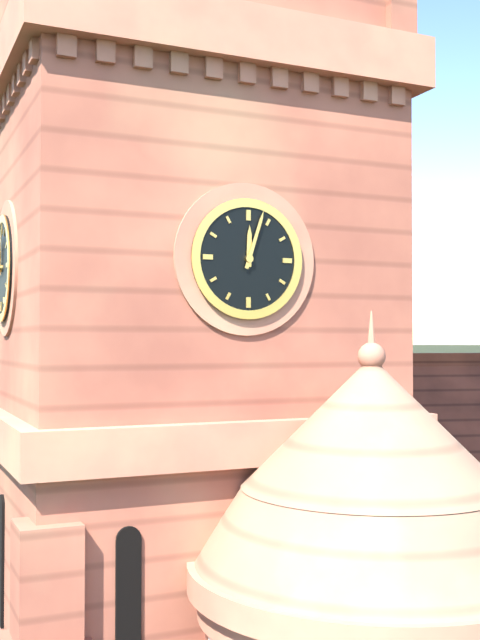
12:03
